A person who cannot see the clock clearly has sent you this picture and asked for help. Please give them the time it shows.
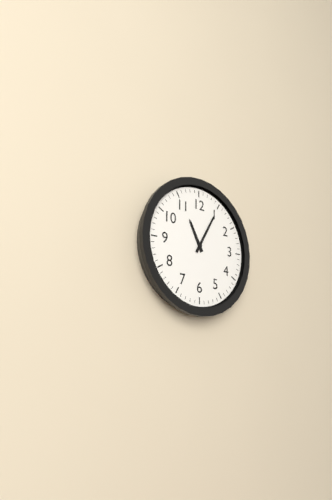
11:05
